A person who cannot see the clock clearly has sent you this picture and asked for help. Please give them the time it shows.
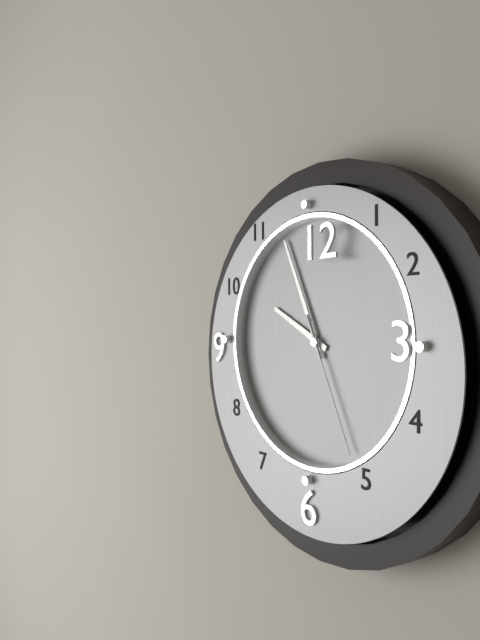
9:56:26
